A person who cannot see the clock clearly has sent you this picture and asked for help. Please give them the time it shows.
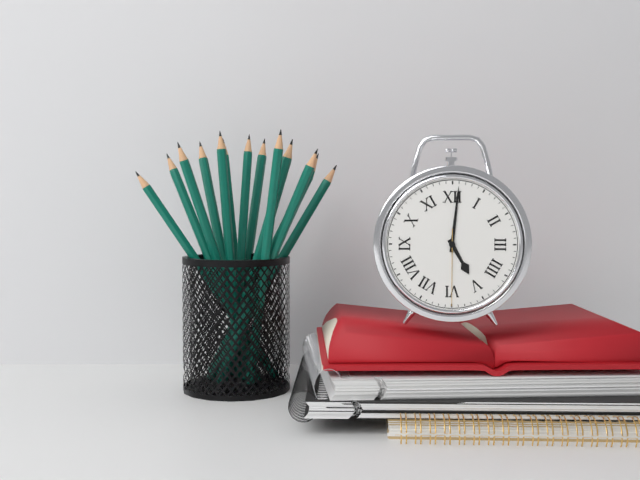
5:01:30
